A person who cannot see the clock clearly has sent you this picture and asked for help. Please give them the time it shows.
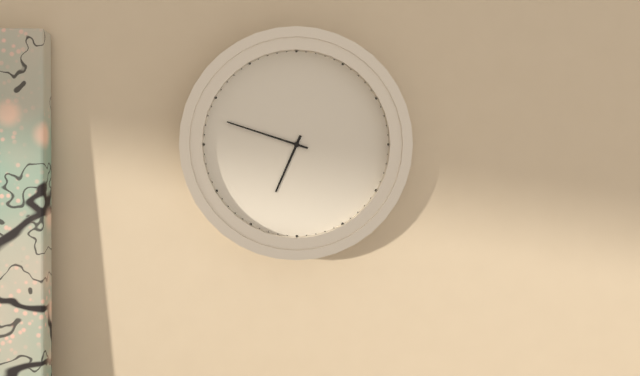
6:48
